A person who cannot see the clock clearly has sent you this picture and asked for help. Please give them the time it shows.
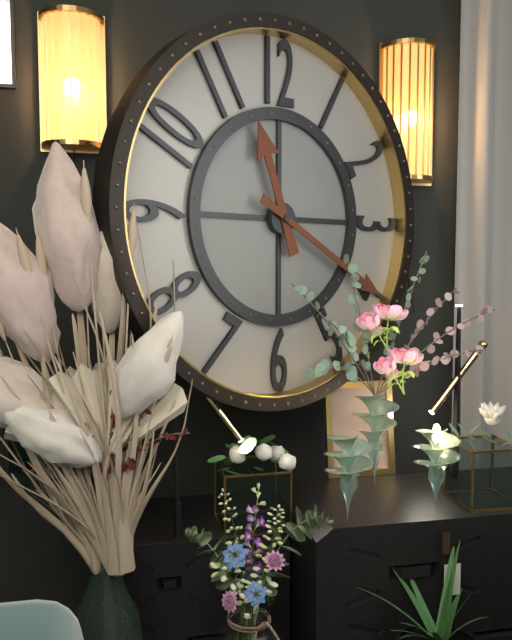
11:20
